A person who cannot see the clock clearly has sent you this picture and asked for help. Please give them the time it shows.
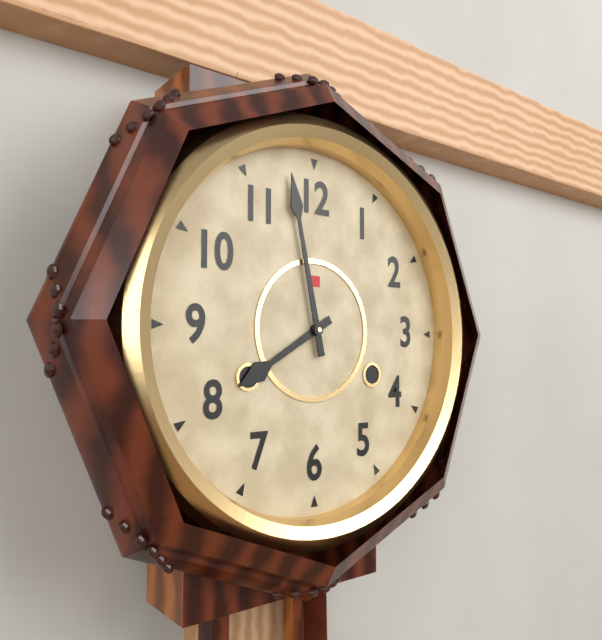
7:58
